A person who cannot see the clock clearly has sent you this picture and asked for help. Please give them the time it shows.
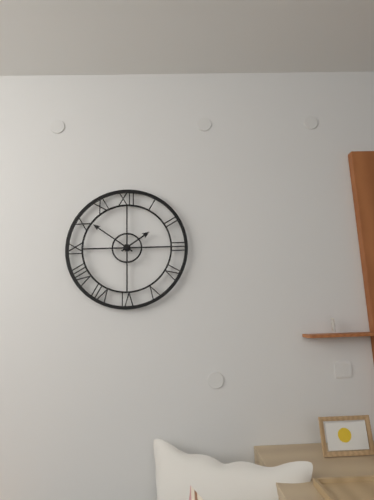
1:51
